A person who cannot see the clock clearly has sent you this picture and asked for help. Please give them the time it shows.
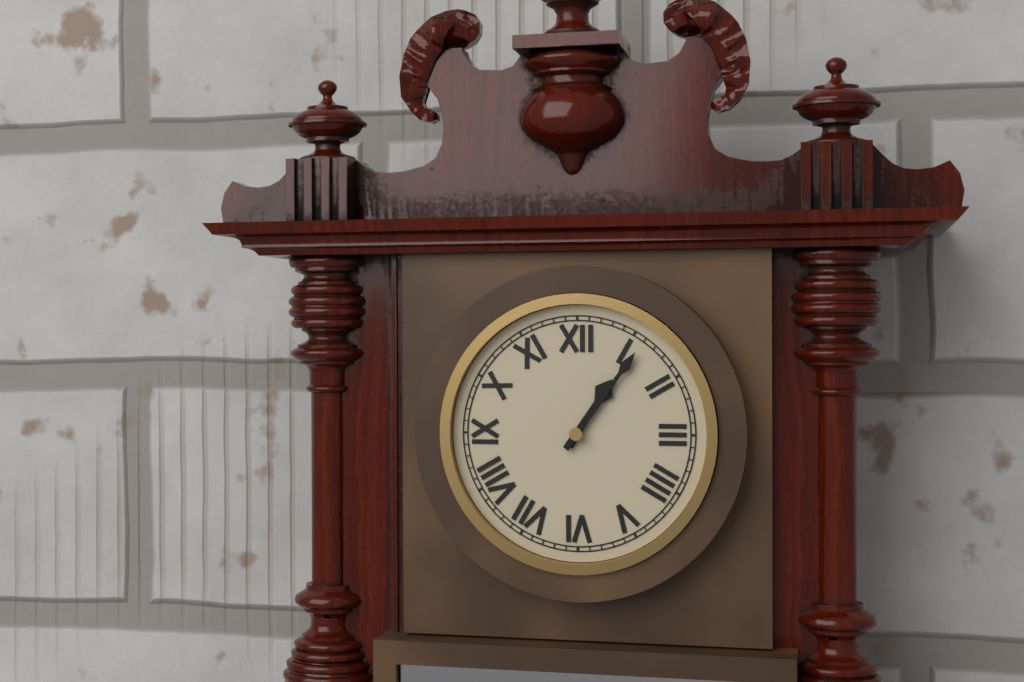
1:06
